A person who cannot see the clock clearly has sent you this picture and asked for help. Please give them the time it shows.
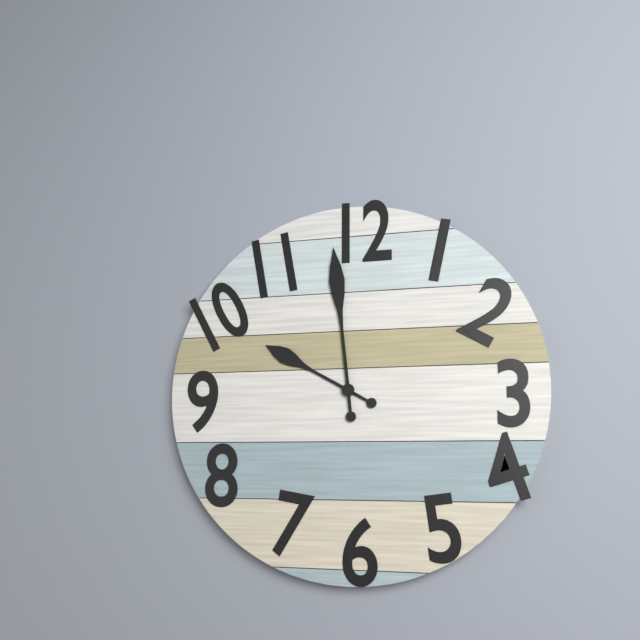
9:59
